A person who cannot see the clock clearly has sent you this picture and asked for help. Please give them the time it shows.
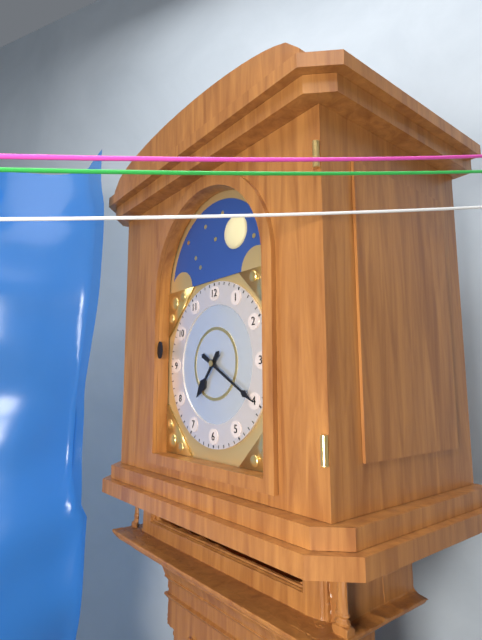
7:20
